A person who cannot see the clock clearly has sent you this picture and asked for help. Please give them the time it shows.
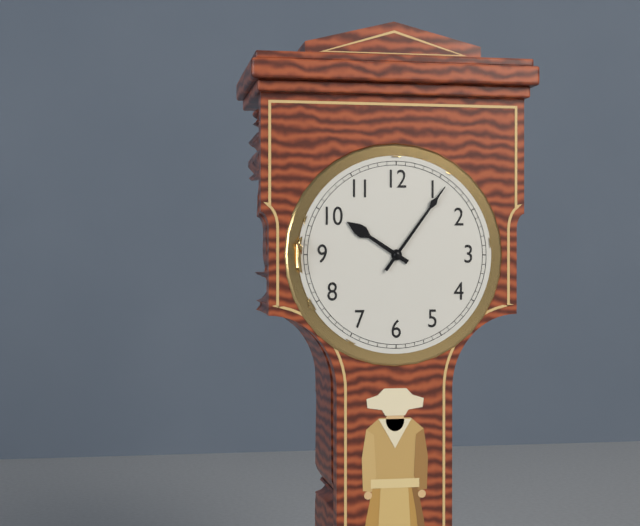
10:06
